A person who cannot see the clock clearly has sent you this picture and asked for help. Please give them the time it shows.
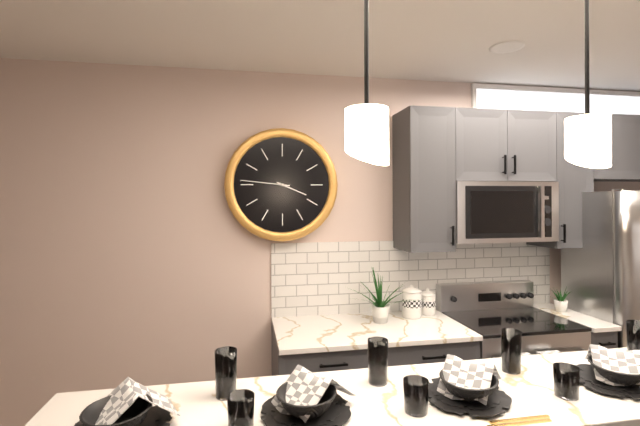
3:46
